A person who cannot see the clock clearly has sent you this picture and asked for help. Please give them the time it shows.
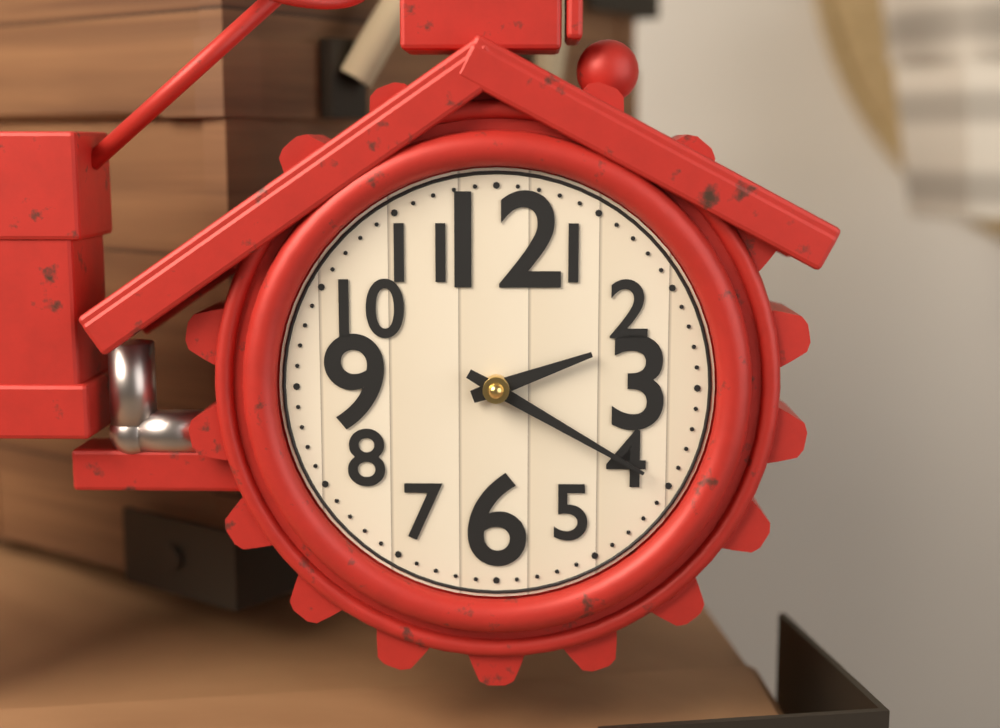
2:20
